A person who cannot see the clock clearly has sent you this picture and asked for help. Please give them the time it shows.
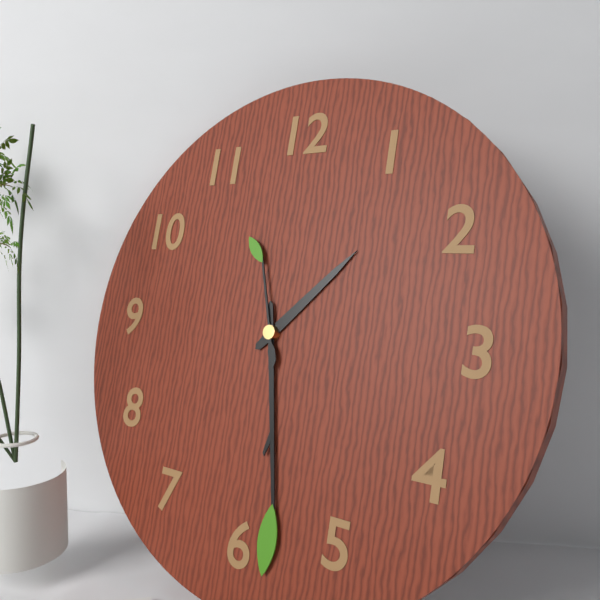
1:28:57
